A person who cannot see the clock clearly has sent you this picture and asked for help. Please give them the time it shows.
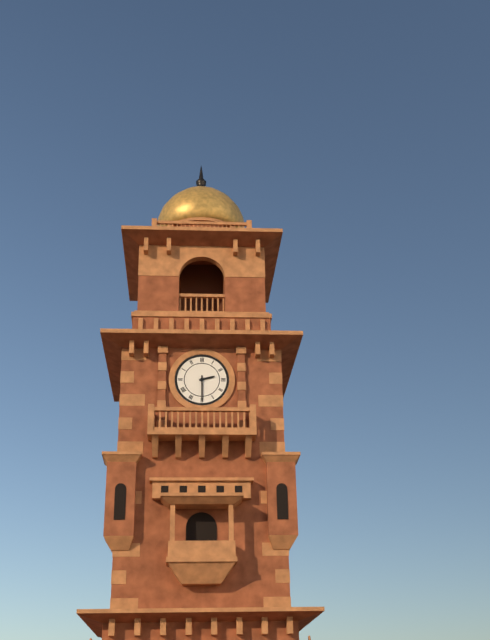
2:30
